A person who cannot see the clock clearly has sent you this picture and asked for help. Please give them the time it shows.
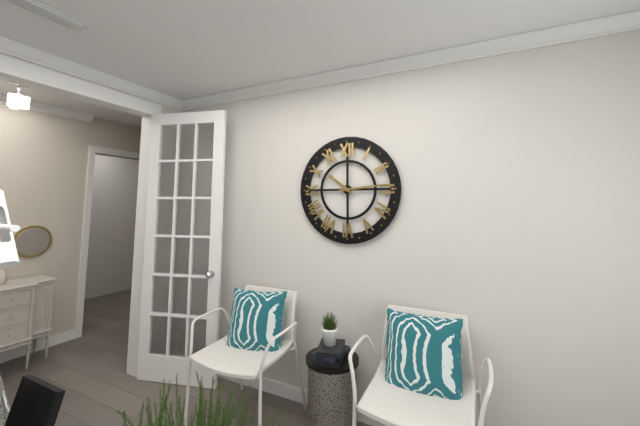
10:14
